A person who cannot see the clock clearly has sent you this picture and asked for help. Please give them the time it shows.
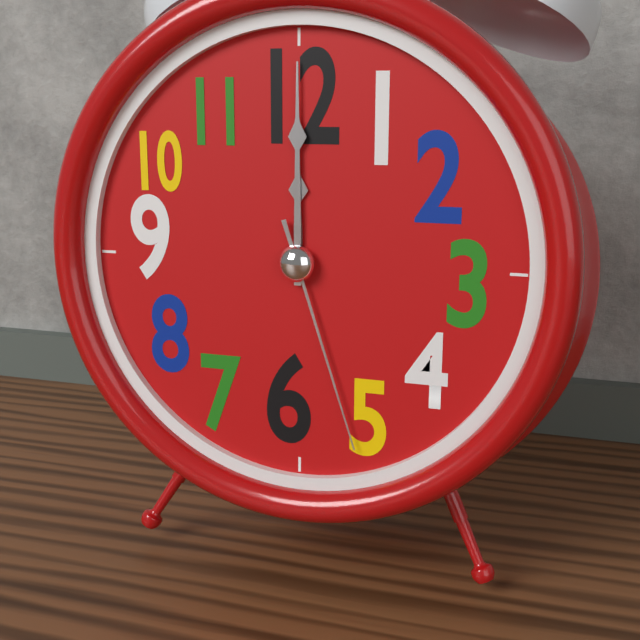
12:00:27
